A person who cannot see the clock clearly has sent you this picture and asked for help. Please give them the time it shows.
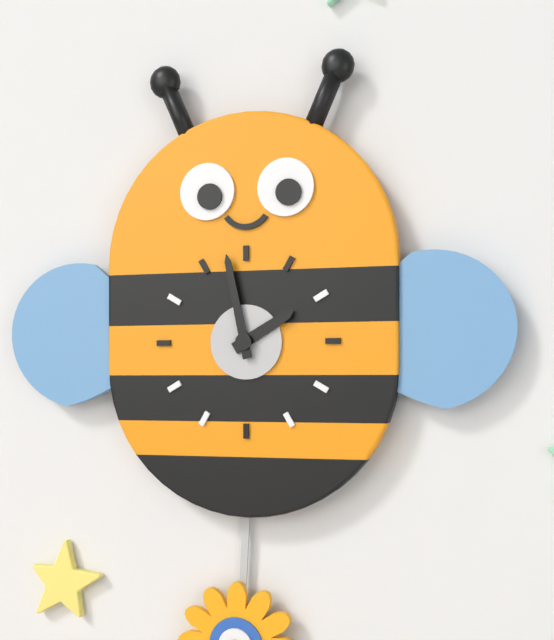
1:58
